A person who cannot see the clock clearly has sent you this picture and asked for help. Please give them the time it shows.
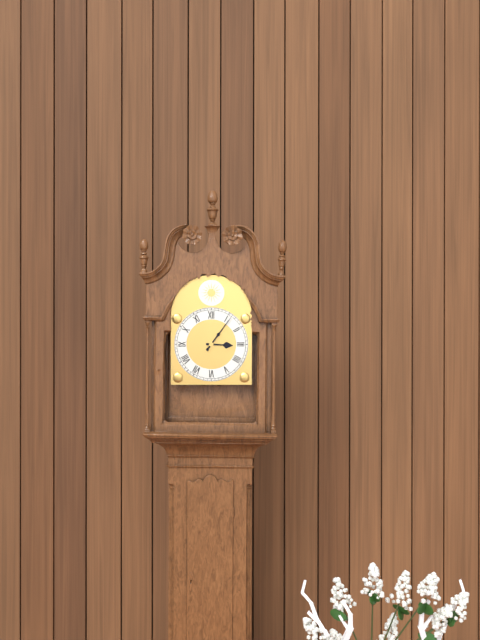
3:06
